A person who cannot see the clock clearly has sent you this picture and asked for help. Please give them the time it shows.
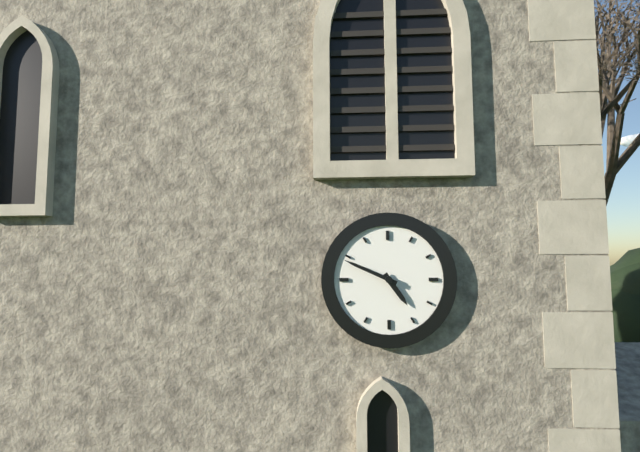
4:49
